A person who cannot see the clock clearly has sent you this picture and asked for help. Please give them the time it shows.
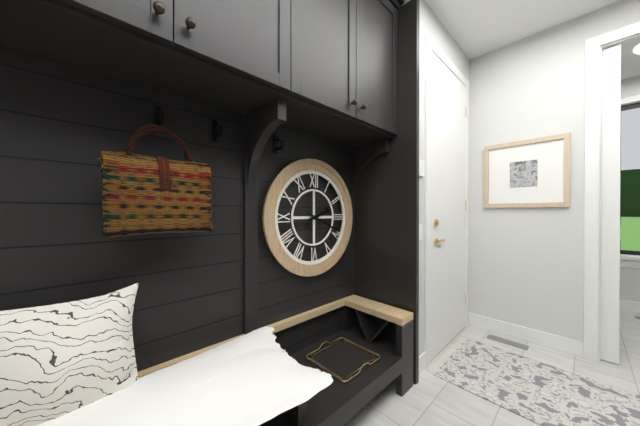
2:19
